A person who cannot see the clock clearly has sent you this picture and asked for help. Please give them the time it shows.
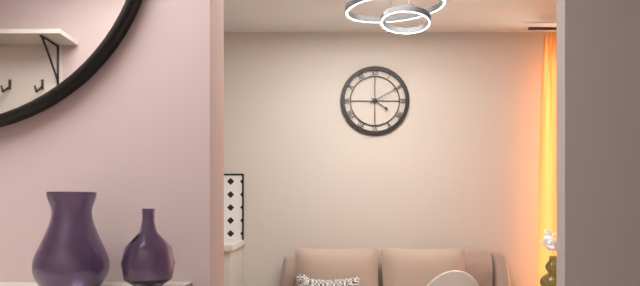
4:10
